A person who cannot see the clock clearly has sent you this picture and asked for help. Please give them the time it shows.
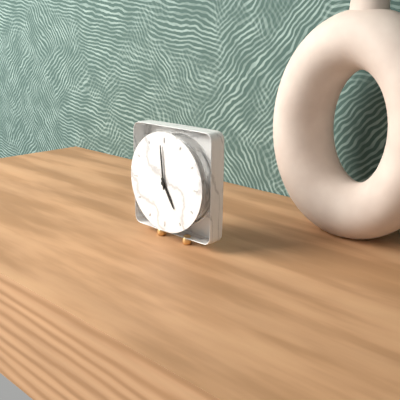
4:59
